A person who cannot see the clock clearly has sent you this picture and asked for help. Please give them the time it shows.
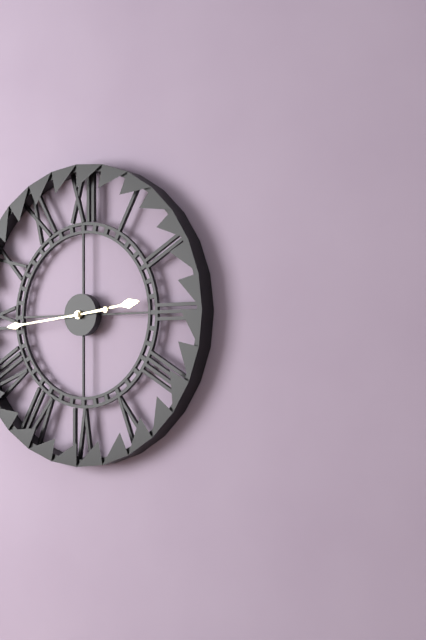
2:44
